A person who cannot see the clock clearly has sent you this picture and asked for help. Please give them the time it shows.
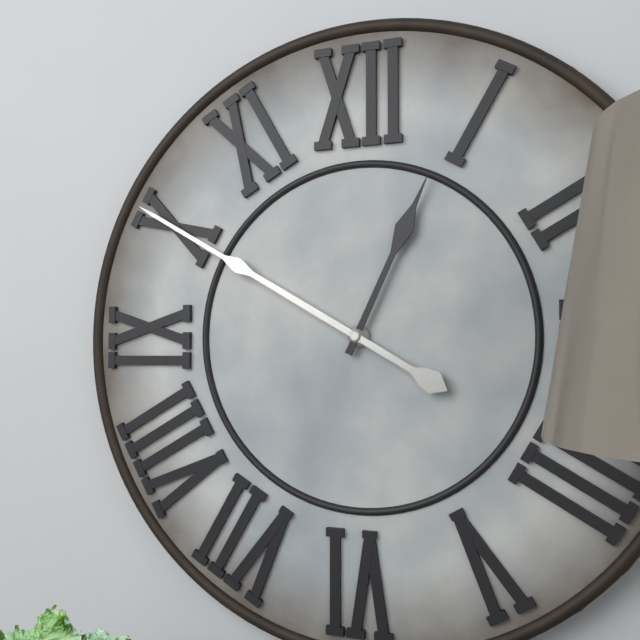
12:50
